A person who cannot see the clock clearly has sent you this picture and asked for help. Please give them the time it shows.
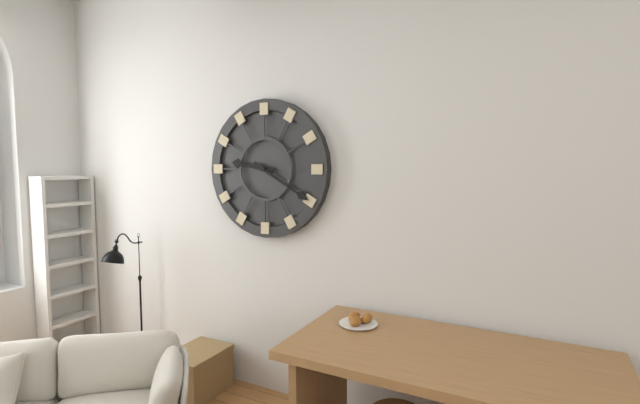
9:20
